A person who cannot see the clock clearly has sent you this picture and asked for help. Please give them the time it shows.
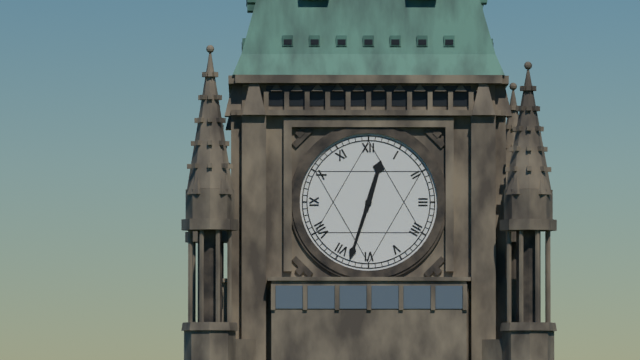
12:33
